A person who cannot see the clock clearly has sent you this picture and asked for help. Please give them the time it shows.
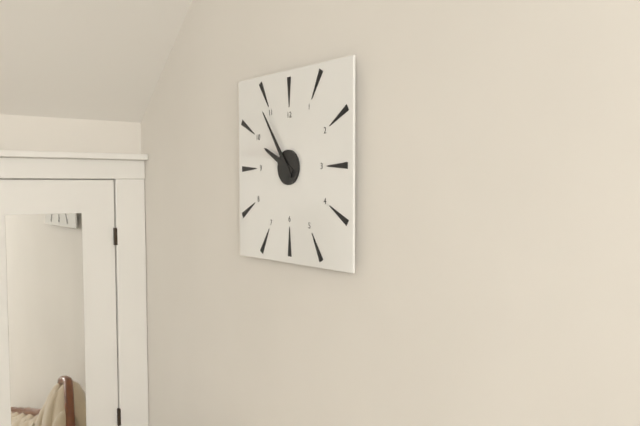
9:54
